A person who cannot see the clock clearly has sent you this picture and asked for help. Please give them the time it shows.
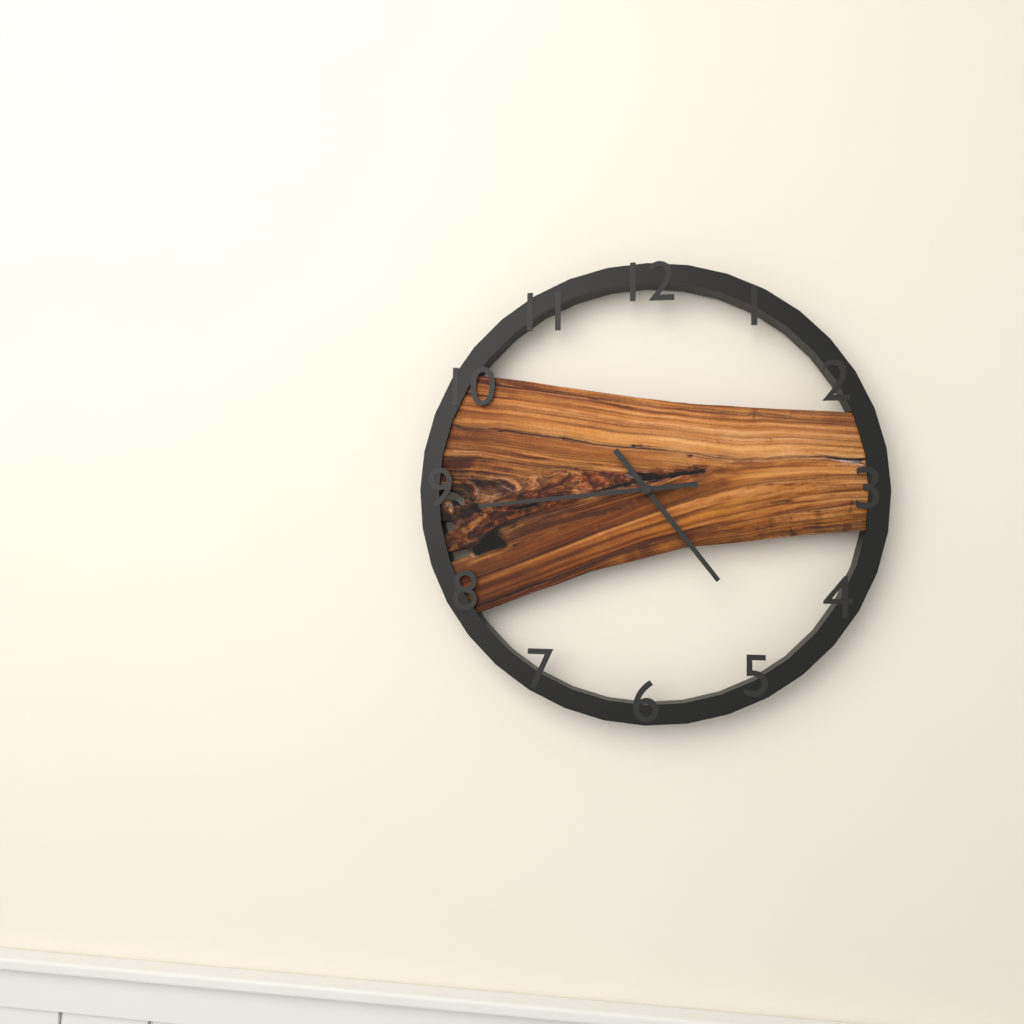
4:44
